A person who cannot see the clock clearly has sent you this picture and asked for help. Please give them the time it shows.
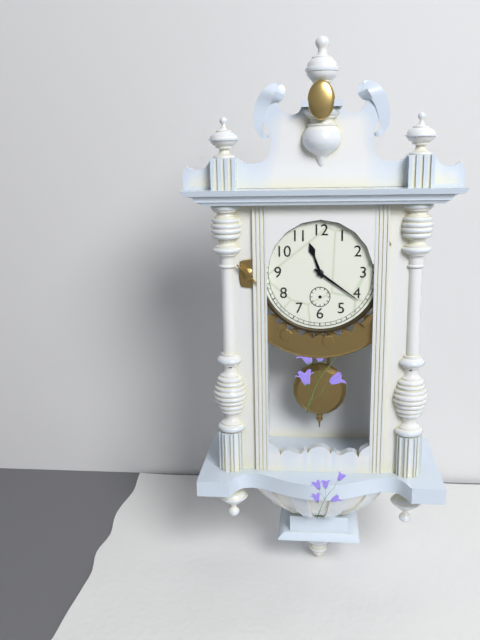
11:21
